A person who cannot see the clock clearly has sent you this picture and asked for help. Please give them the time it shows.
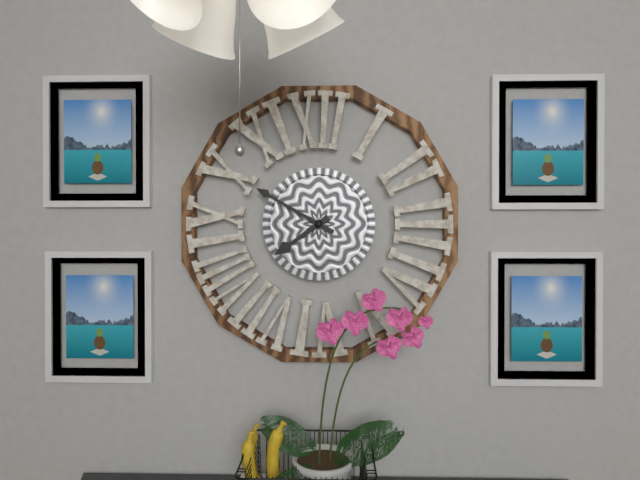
7:50
